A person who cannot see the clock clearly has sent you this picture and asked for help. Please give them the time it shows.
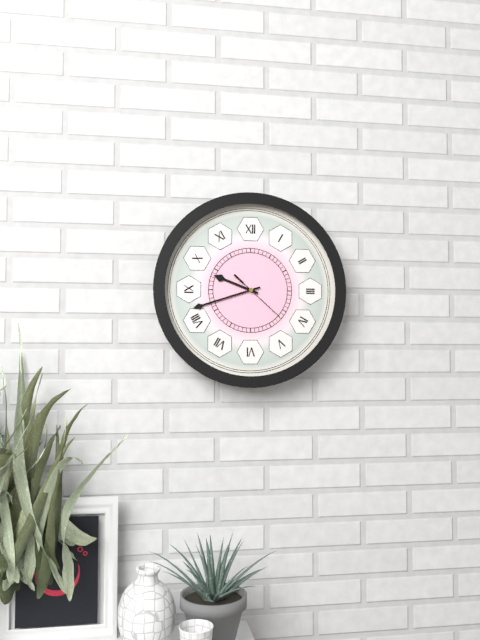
9:42
